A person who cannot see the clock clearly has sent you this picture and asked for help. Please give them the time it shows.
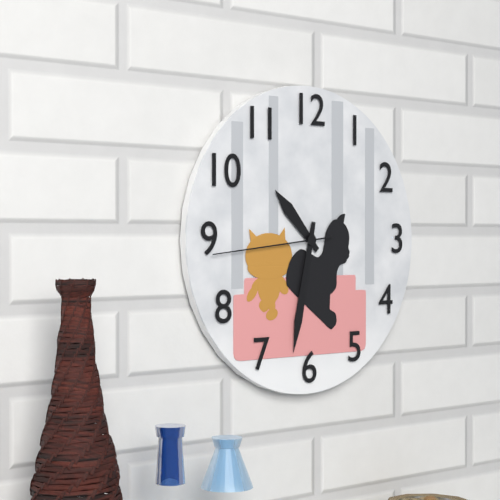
10:32:44
